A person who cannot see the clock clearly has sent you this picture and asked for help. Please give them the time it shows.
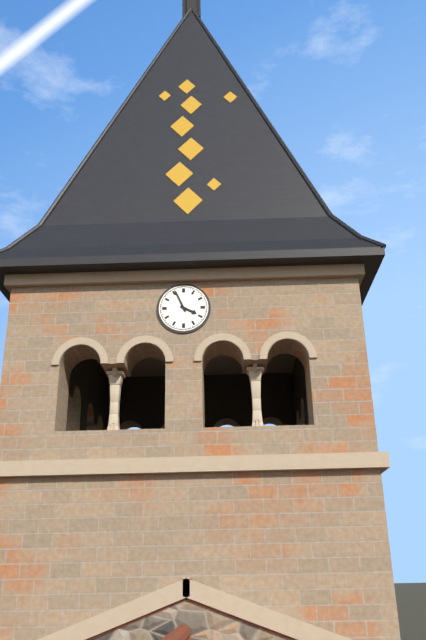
3:56
